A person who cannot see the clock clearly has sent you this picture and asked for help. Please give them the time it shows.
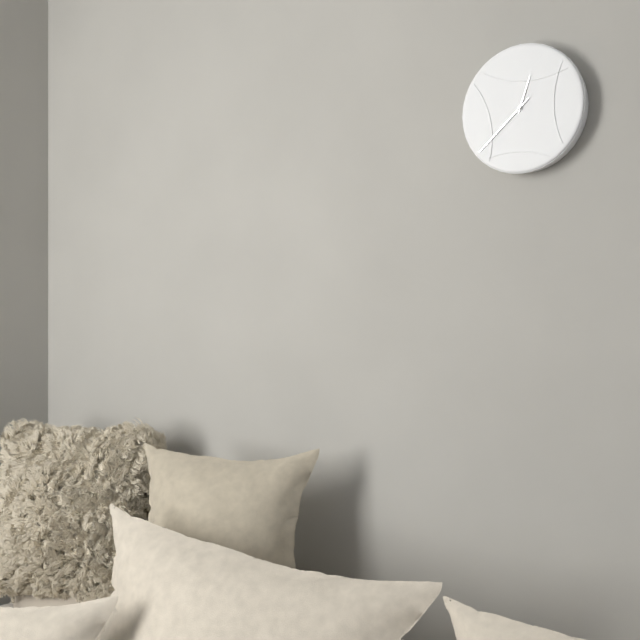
12:38
